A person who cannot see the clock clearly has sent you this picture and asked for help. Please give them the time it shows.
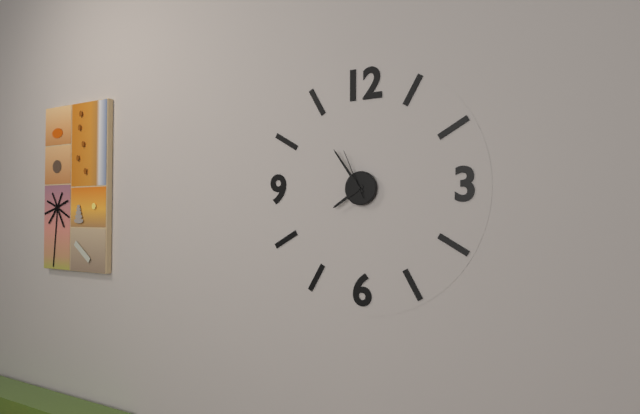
7:54:56
